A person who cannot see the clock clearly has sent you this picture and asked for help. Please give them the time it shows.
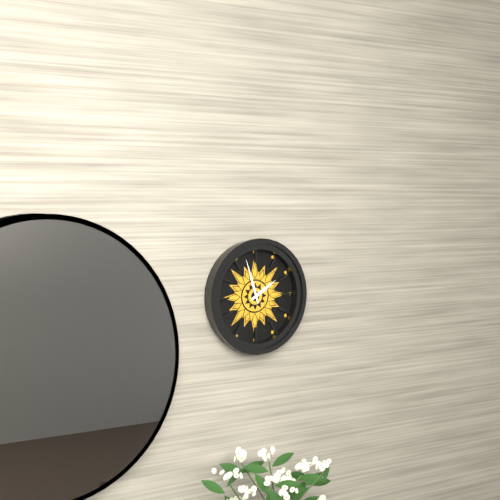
1:57
